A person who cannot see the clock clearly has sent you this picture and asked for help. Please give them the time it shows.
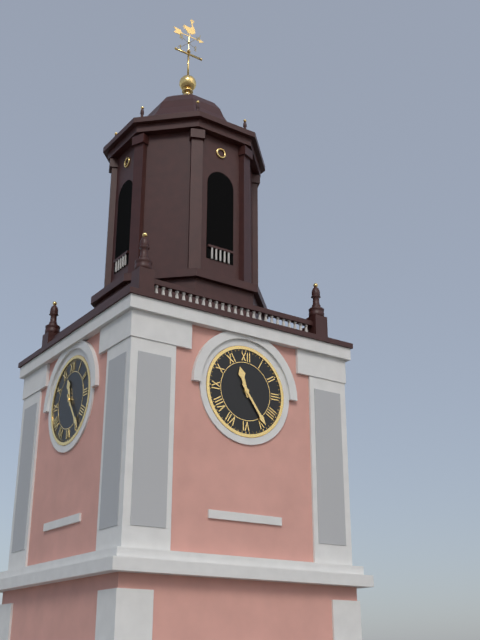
11:24
